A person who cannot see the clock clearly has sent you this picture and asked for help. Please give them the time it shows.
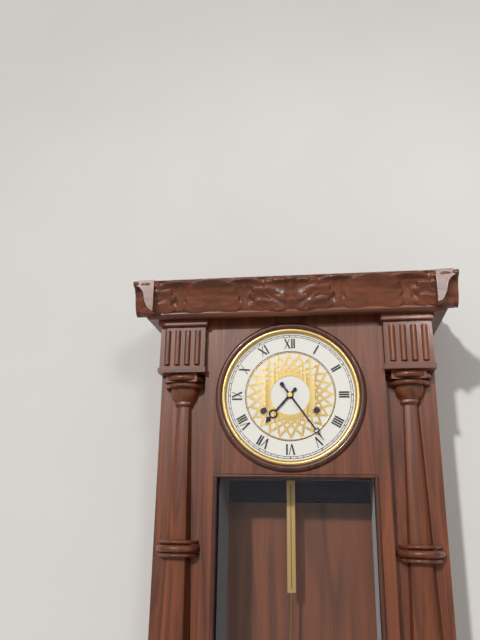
7:24
